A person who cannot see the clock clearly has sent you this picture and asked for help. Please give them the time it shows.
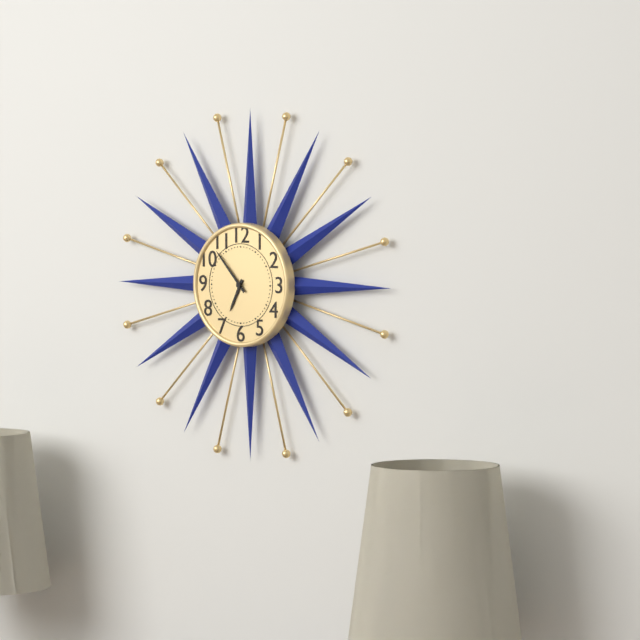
6:53
